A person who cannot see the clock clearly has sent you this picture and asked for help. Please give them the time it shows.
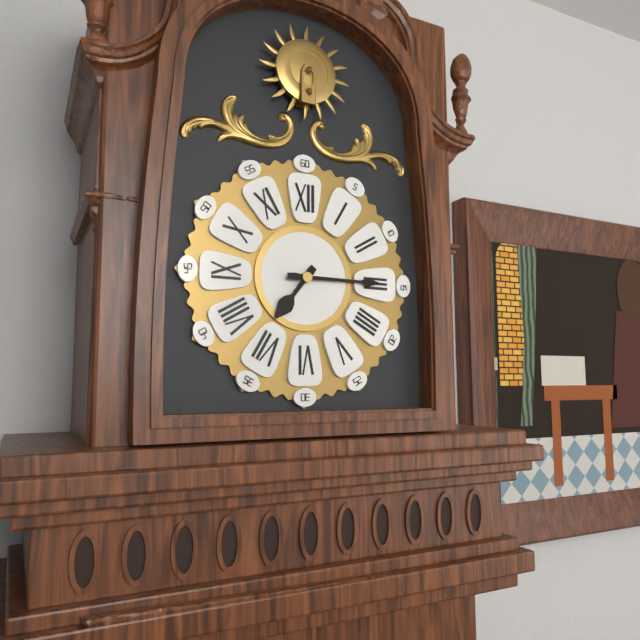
7:15
